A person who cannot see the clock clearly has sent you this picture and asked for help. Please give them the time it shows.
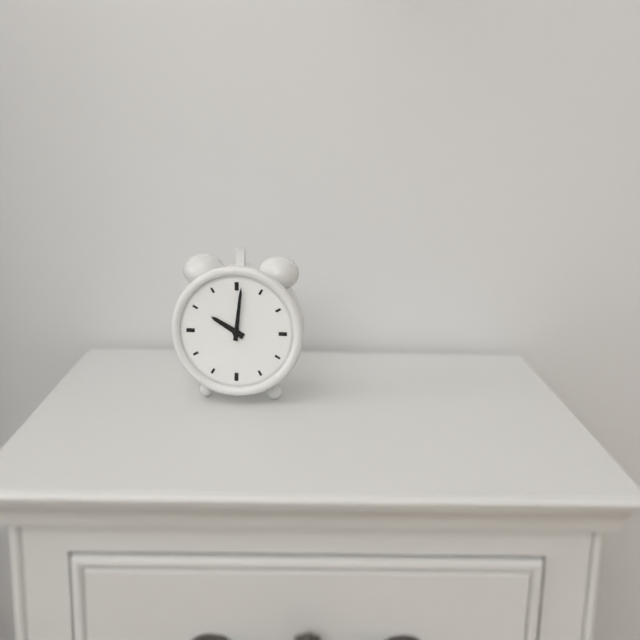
10:01
